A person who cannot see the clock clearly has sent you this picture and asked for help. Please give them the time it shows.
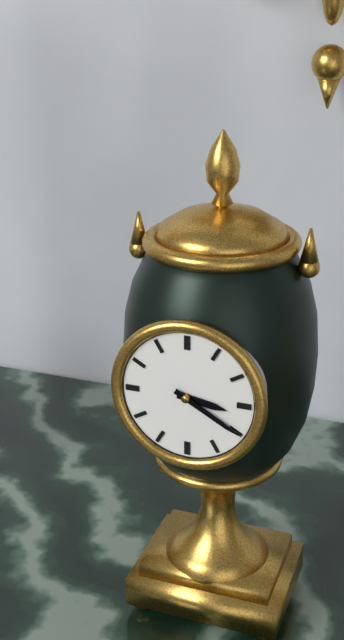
3:20
